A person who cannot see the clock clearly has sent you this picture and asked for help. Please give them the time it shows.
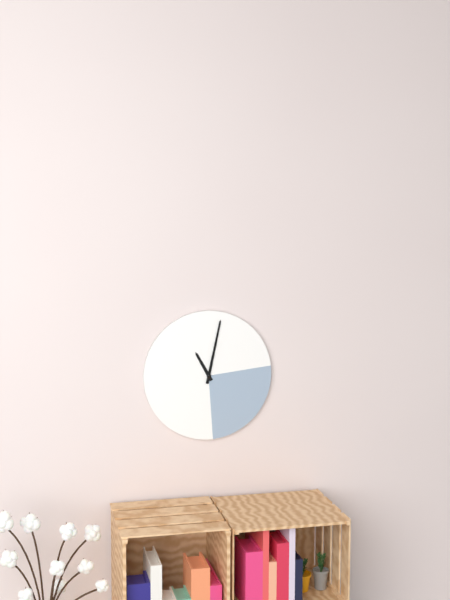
11:02
